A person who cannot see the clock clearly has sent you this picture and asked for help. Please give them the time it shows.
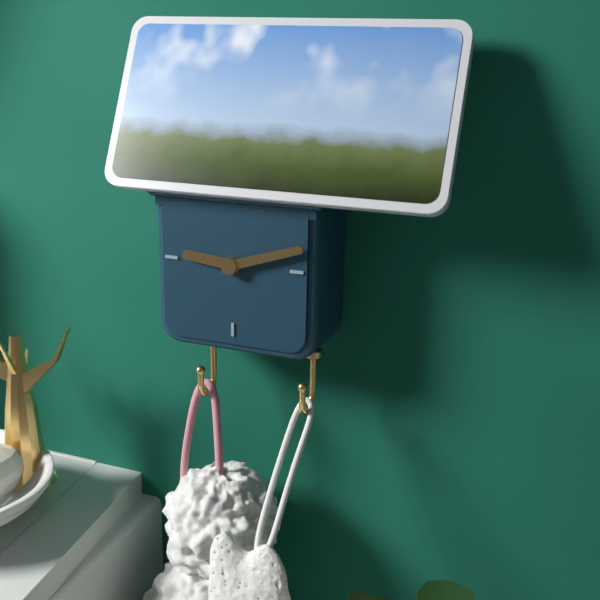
9:12
